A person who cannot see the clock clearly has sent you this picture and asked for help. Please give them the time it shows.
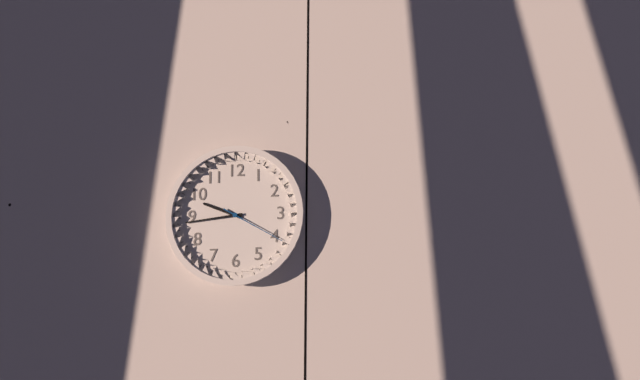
9:44:20
